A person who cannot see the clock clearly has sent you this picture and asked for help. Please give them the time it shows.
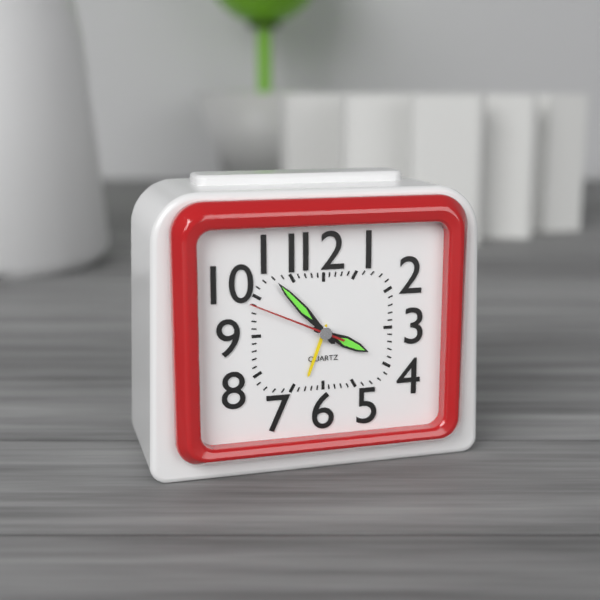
3:53:49
